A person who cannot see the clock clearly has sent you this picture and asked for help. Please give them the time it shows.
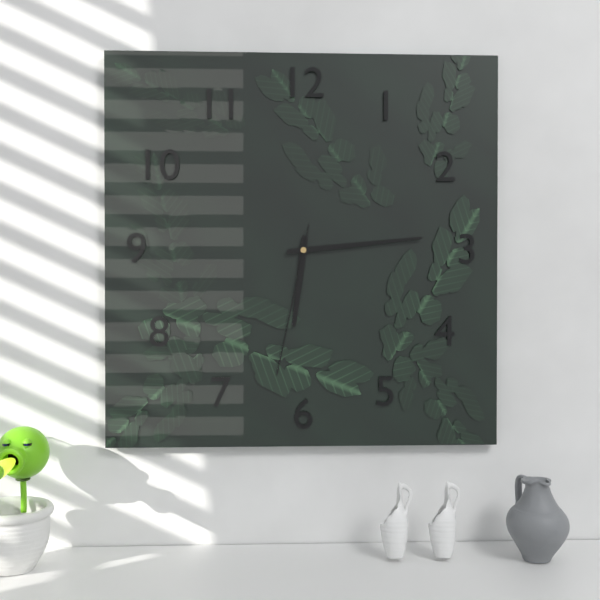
6:14:32
